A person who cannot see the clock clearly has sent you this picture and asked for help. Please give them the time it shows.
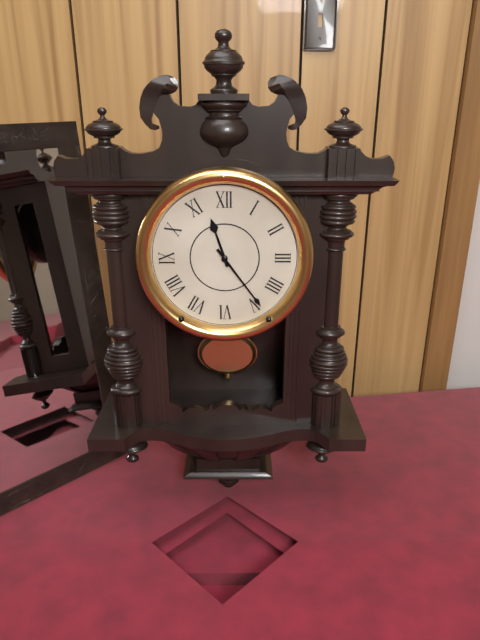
11:24
